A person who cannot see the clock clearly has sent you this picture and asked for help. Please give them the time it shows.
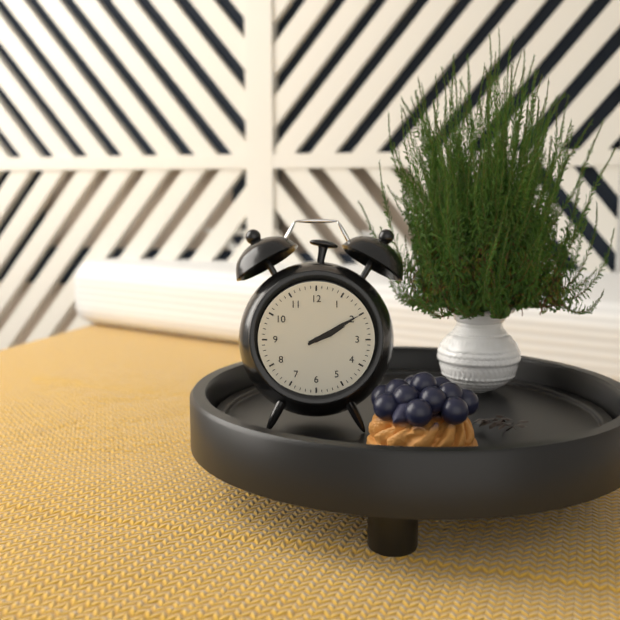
2:10
